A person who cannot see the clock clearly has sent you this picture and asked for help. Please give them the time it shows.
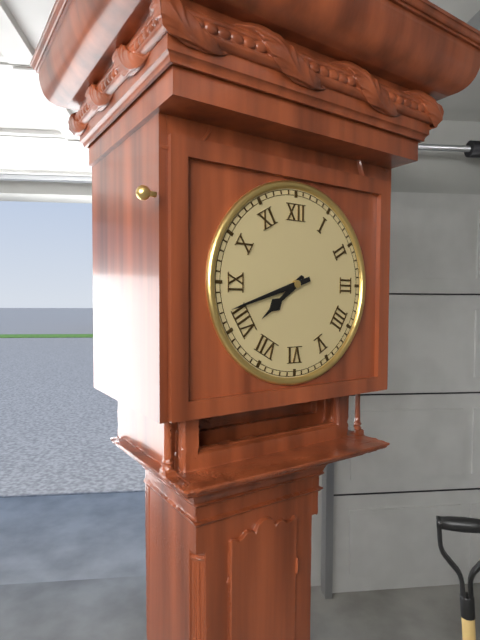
7:42
